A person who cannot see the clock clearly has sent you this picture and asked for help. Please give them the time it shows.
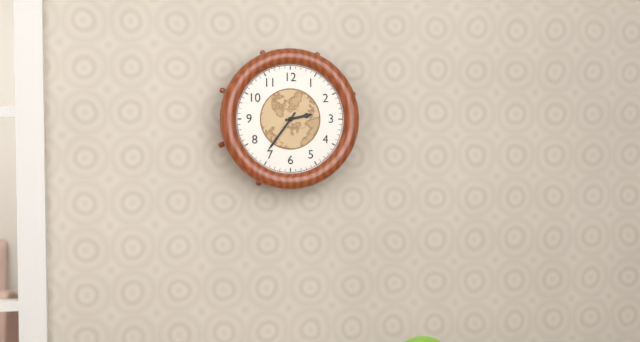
2:36
